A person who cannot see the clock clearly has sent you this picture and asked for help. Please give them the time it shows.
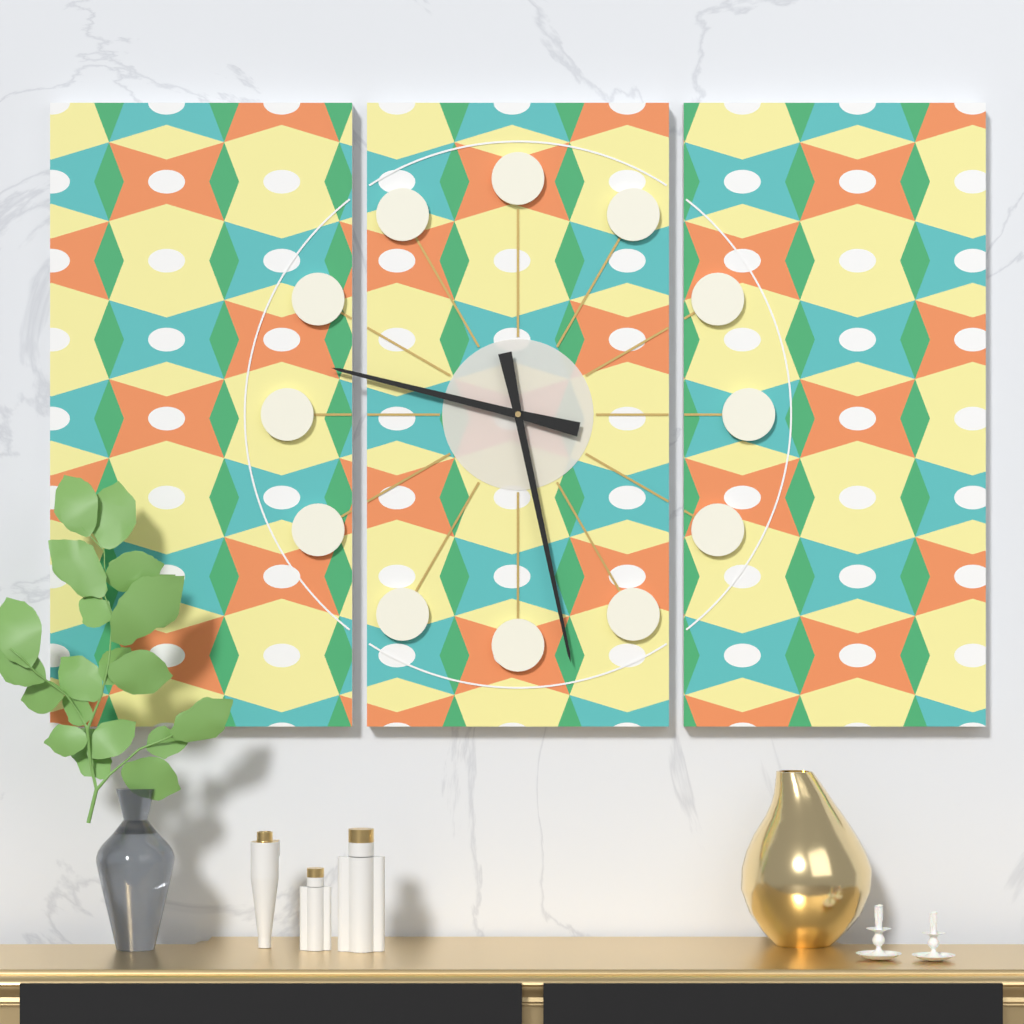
9:28
